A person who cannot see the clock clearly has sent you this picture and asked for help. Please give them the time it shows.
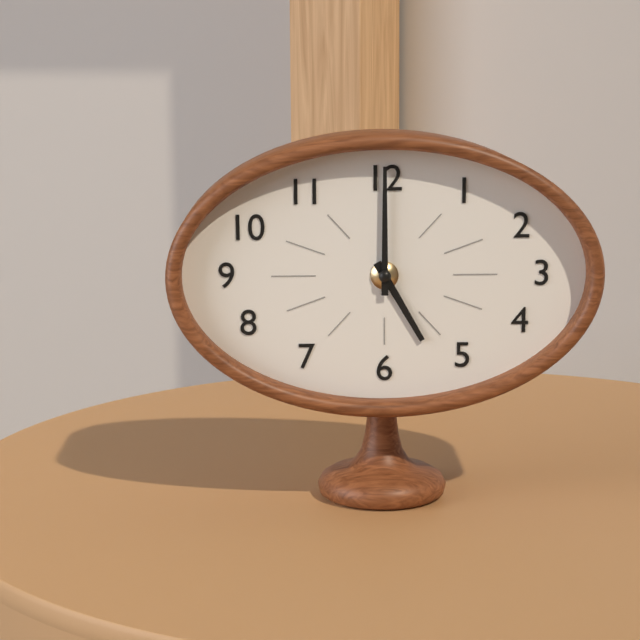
5:00
